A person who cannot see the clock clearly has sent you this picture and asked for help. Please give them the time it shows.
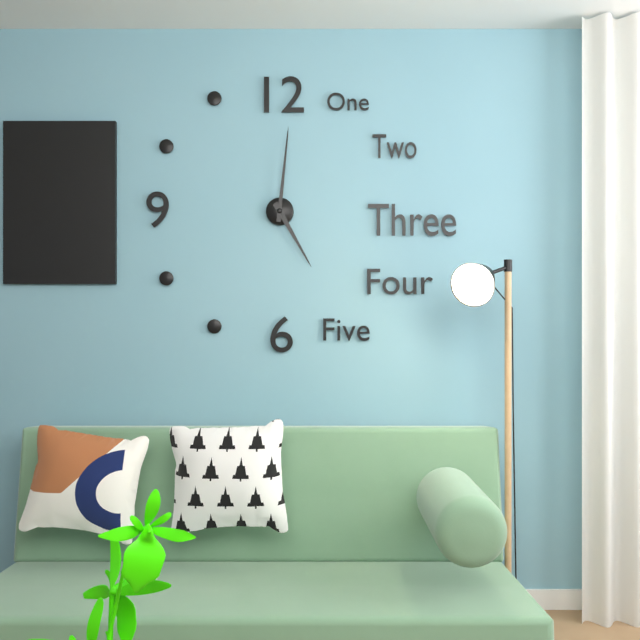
5:01
